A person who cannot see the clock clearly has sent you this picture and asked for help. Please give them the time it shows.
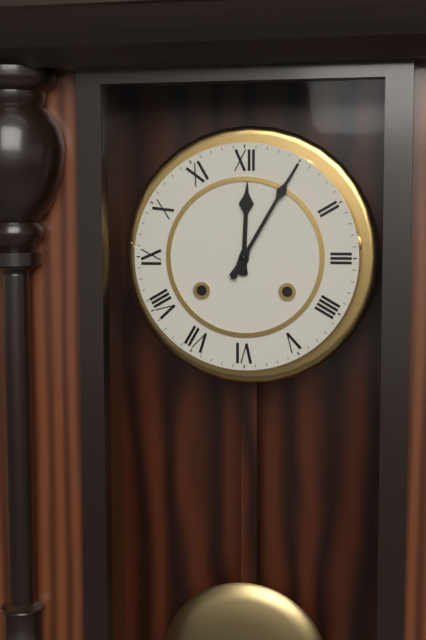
12:05
